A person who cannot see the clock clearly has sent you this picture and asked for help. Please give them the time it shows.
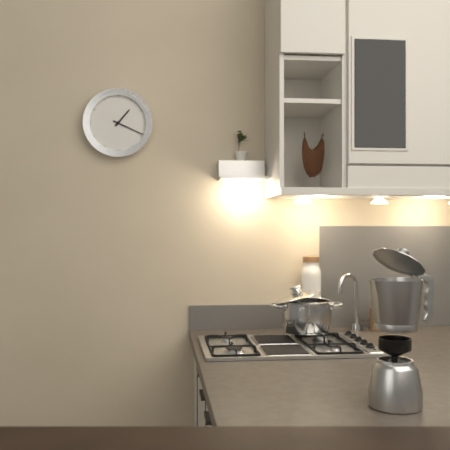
1:19
